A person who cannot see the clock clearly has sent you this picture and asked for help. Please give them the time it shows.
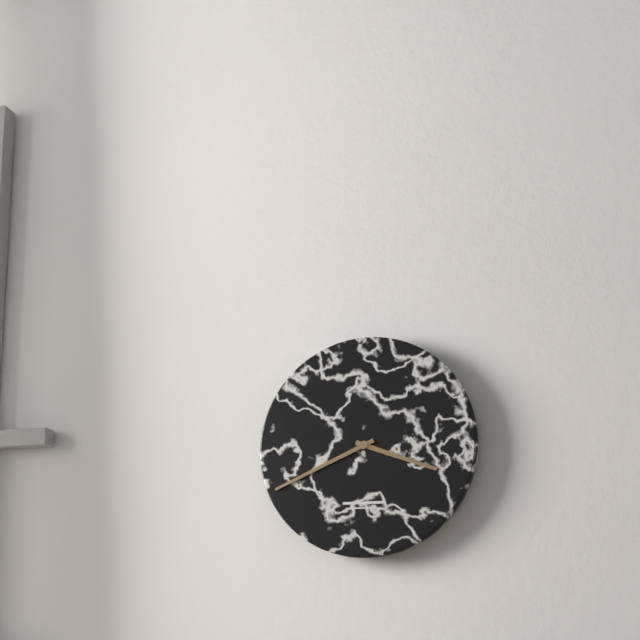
3:41
